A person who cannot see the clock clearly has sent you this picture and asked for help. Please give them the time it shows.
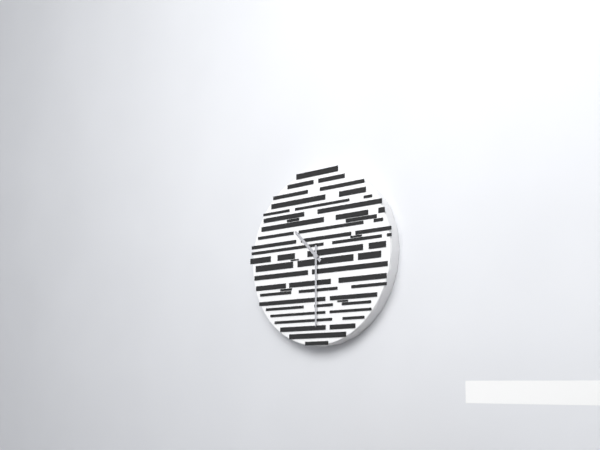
10:30
